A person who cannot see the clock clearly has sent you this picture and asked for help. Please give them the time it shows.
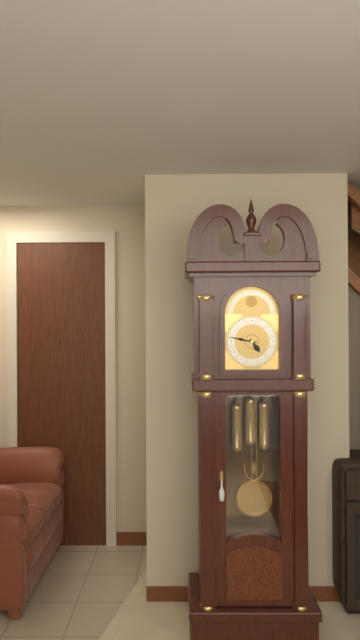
4:47
